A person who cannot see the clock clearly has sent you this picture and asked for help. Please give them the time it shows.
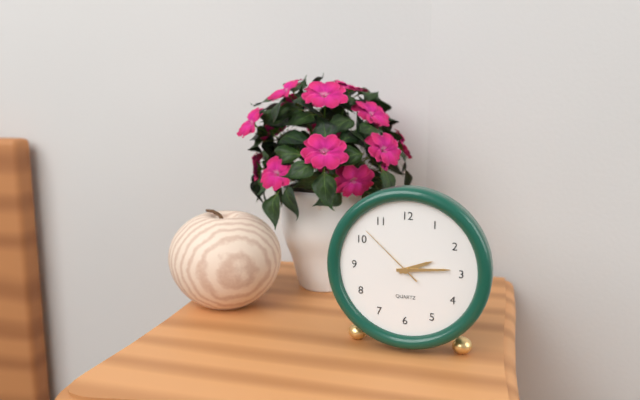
2:14:52
